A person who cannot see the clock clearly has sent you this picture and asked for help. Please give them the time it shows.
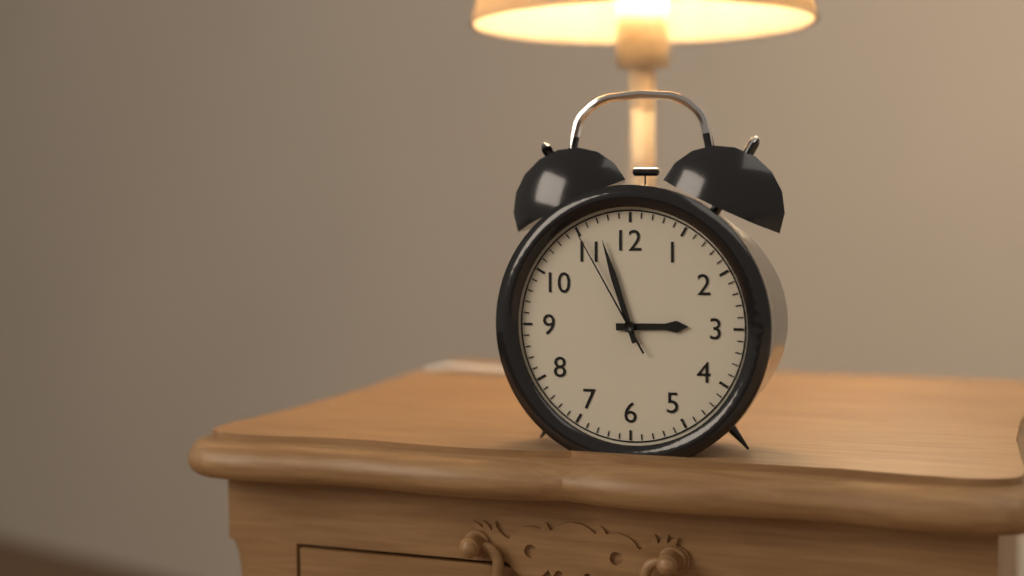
2:57:55
